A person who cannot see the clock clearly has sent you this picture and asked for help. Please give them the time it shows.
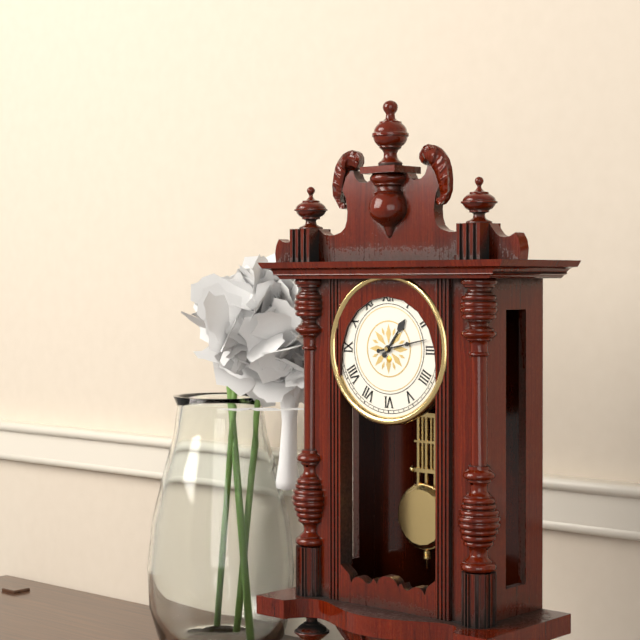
1:13
